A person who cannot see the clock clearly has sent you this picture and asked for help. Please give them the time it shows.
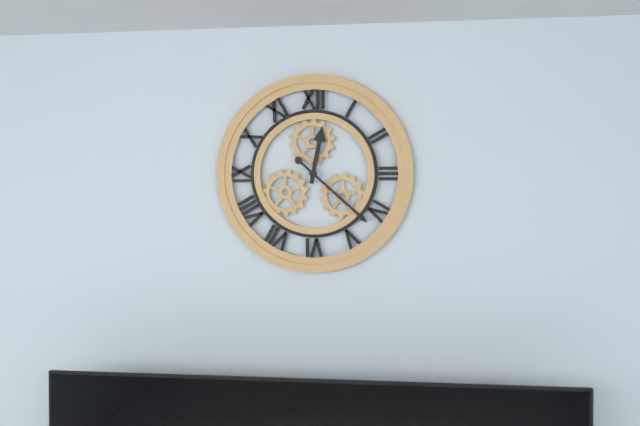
12:22
